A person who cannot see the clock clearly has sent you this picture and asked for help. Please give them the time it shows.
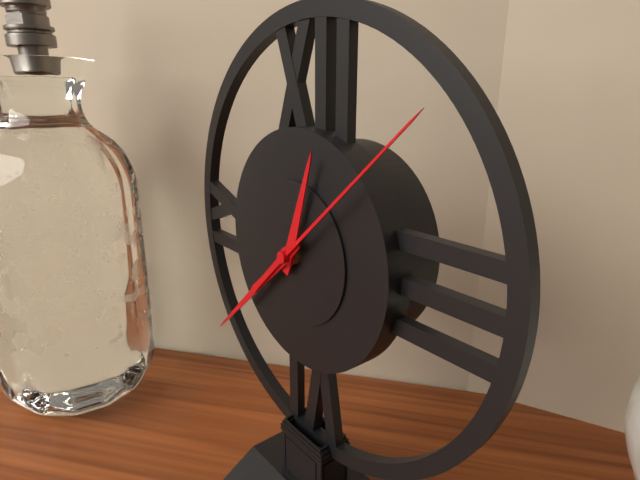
12:38:08
